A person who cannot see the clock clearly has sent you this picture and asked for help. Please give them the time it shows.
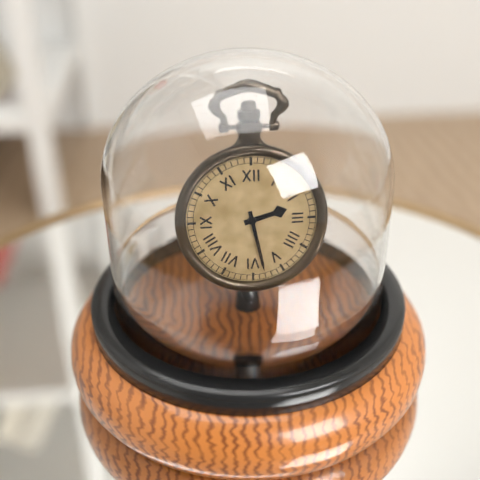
2:28
